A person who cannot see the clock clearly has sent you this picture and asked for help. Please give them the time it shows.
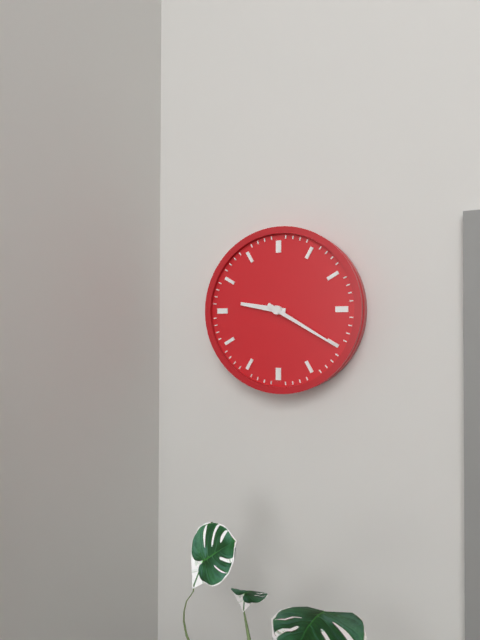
9:20
